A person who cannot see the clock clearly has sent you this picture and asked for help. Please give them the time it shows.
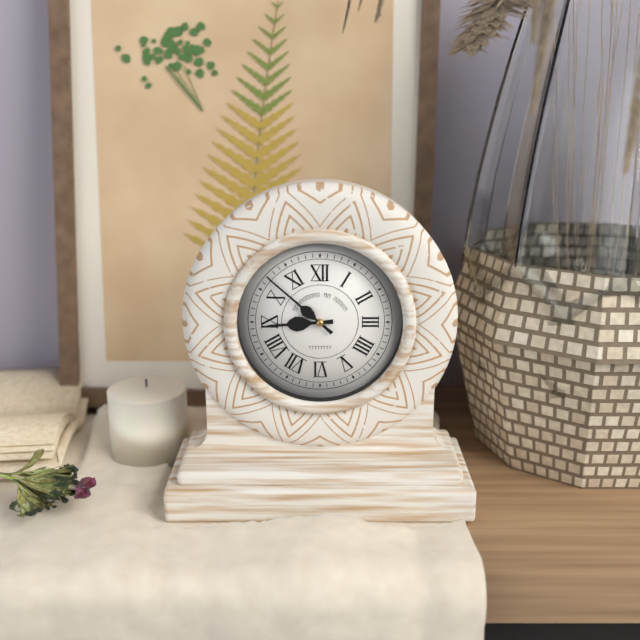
8:52
